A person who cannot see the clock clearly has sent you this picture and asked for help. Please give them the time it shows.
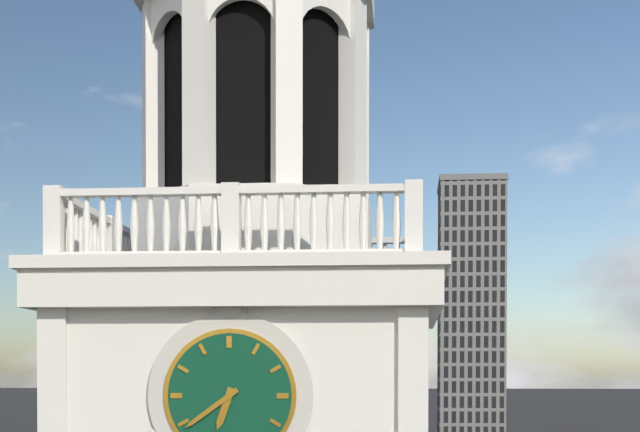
6:39
